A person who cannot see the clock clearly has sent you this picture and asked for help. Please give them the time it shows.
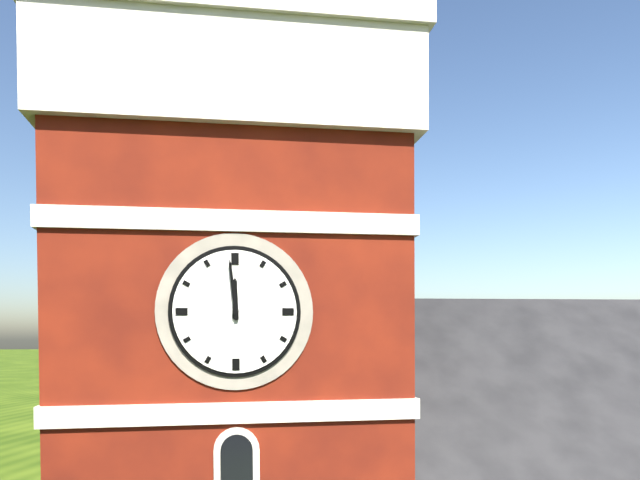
11:59
